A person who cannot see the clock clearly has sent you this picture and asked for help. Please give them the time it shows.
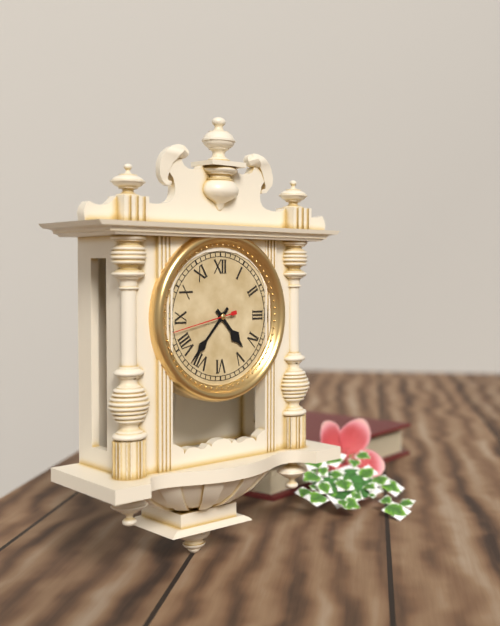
4:37:43
